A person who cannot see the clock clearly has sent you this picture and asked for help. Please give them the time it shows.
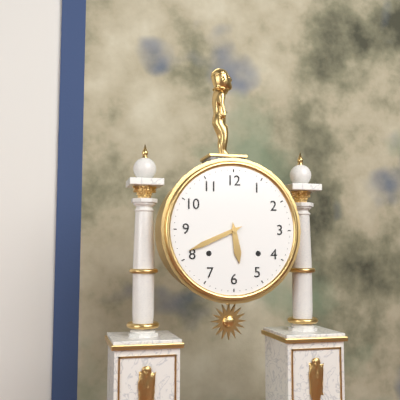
5:41
